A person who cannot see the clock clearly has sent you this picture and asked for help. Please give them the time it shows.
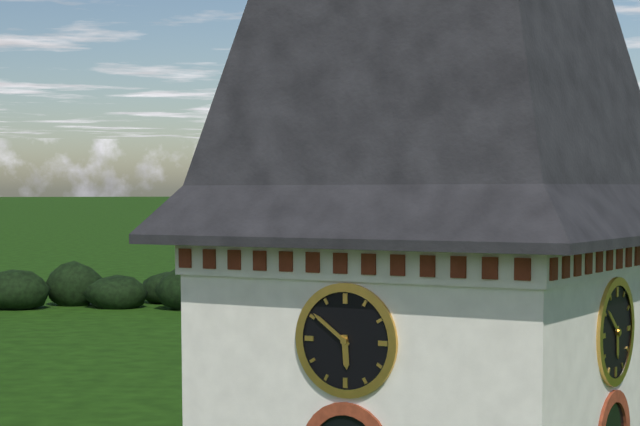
5:51
